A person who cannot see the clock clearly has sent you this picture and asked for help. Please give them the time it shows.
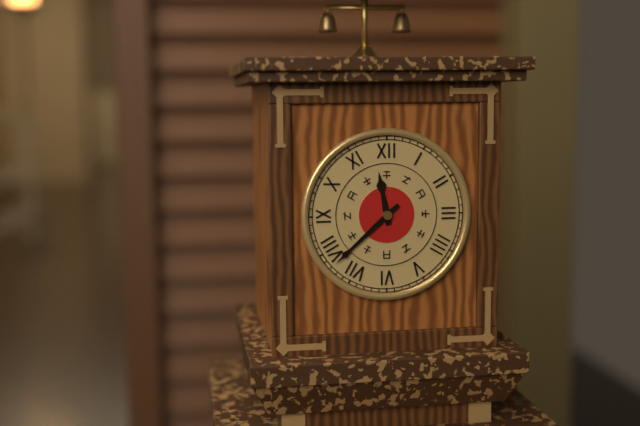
11:38
